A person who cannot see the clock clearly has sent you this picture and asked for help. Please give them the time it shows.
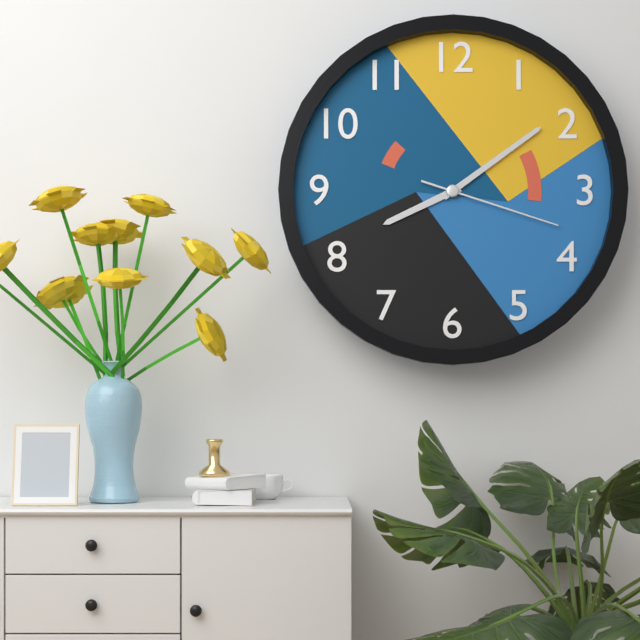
8:09:18
